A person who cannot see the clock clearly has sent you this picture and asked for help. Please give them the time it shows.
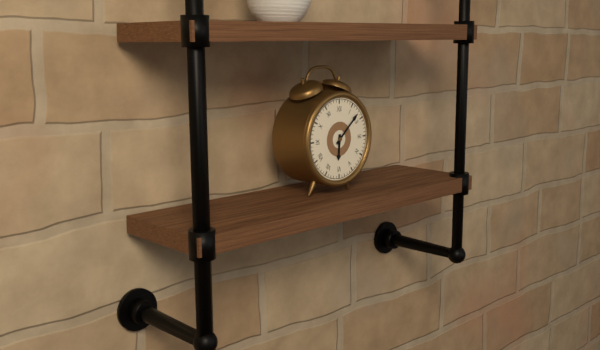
6:08
